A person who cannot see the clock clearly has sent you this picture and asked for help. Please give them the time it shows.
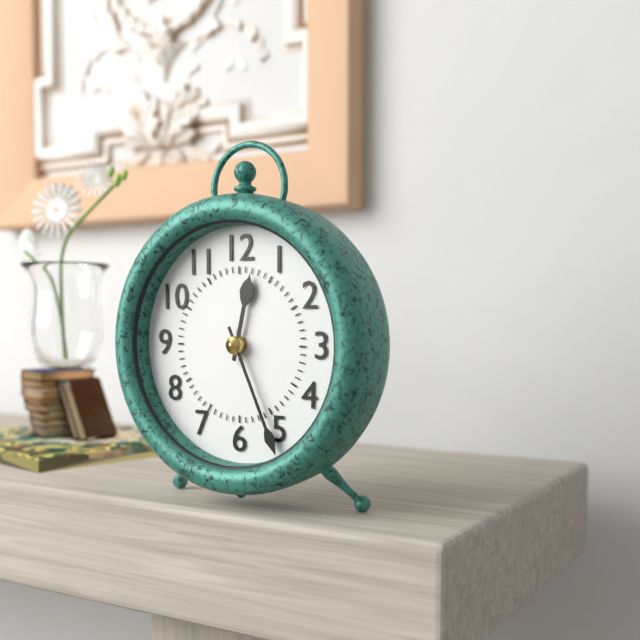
12:26
